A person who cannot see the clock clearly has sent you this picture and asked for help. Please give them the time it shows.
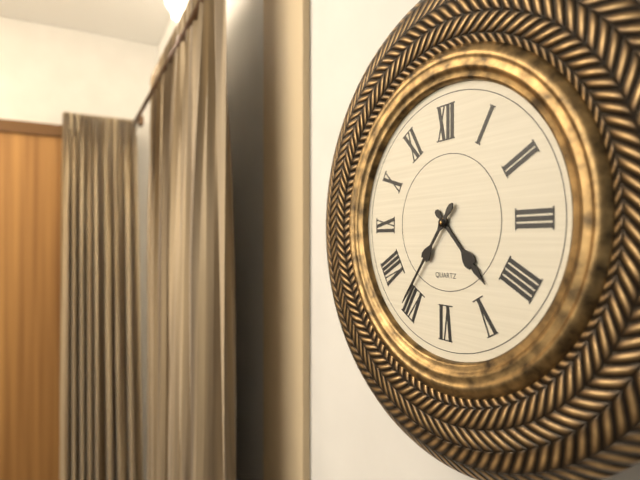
4:36
